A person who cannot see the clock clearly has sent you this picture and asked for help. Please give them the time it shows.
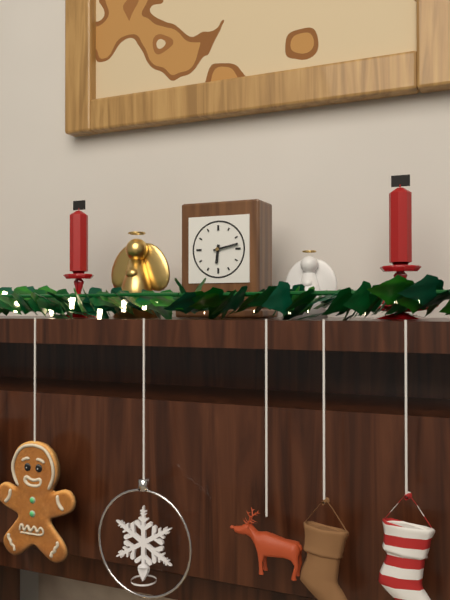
6:13
